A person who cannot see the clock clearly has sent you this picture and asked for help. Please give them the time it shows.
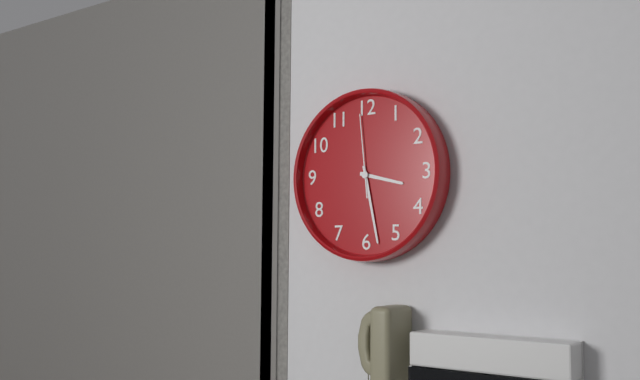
3:28:59
